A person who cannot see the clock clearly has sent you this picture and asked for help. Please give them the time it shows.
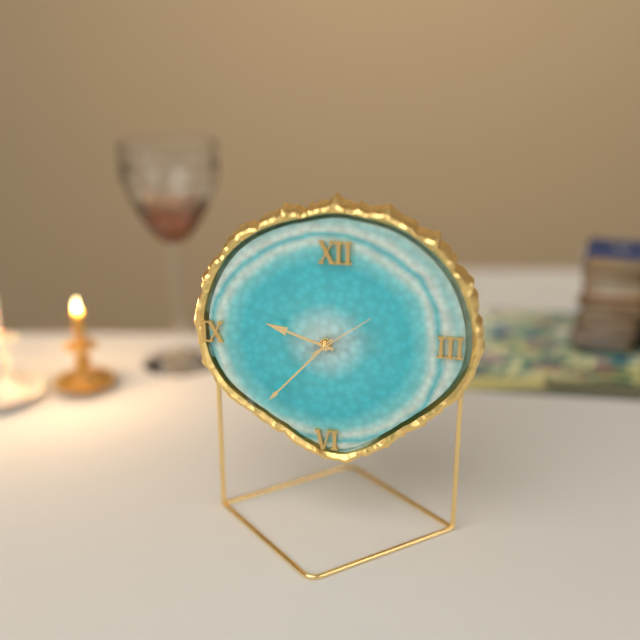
9:37:09
